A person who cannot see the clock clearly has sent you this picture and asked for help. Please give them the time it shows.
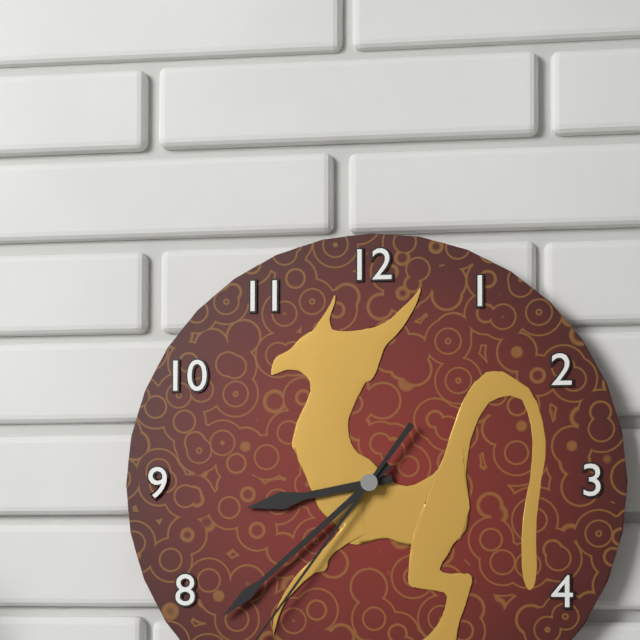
8:38
